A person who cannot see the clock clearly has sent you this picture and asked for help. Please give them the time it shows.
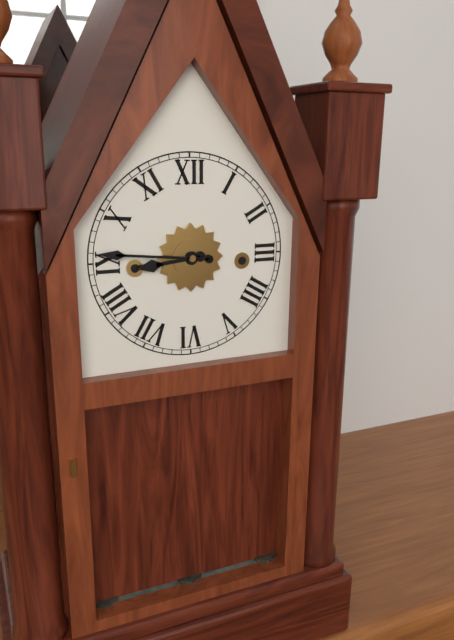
8:46
